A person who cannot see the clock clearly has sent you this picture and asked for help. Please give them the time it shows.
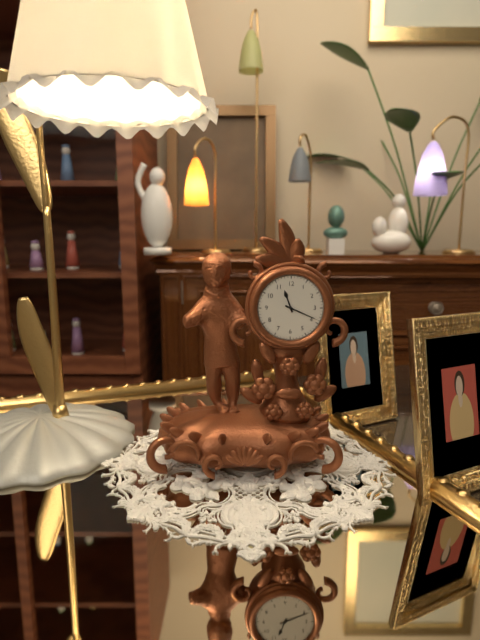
11:19
